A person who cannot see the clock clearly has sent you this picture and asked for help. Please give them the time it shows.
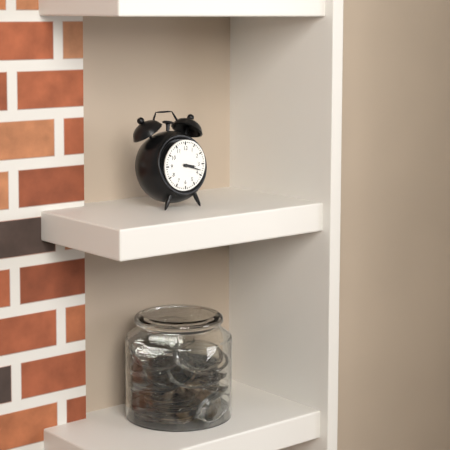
3:18
